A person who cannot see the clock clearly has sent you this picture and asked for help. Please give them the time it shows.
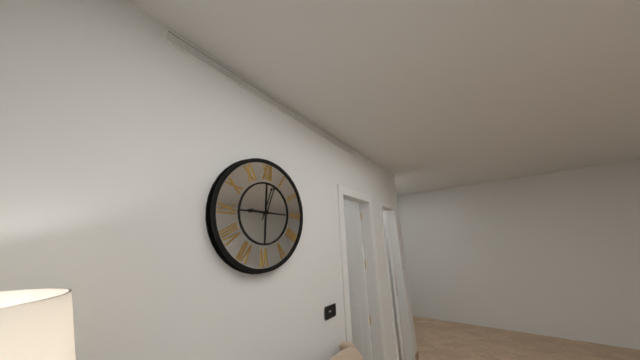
9:03
